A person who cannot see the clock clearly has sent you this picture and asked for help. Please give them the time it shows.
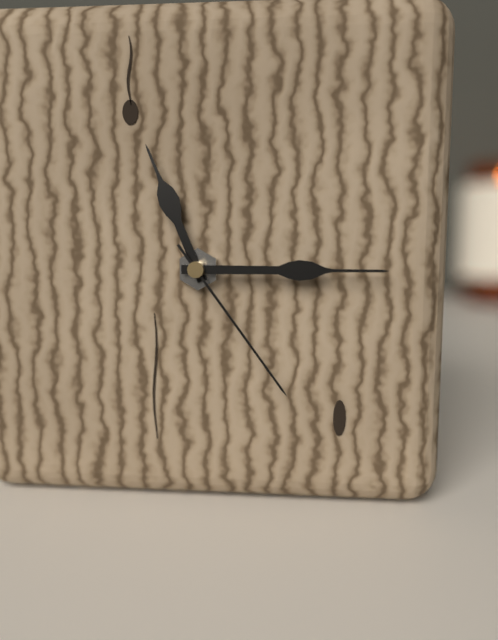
11:15:24
